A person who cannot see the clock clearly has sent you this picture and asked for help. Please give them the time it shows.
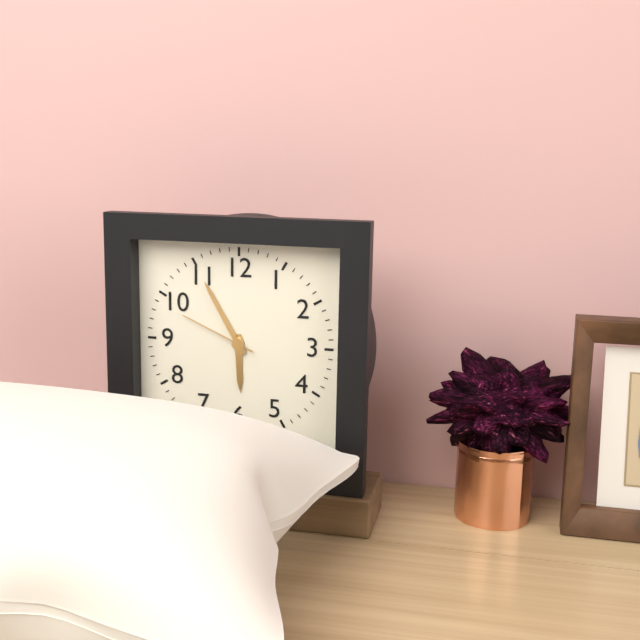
5:55:49
